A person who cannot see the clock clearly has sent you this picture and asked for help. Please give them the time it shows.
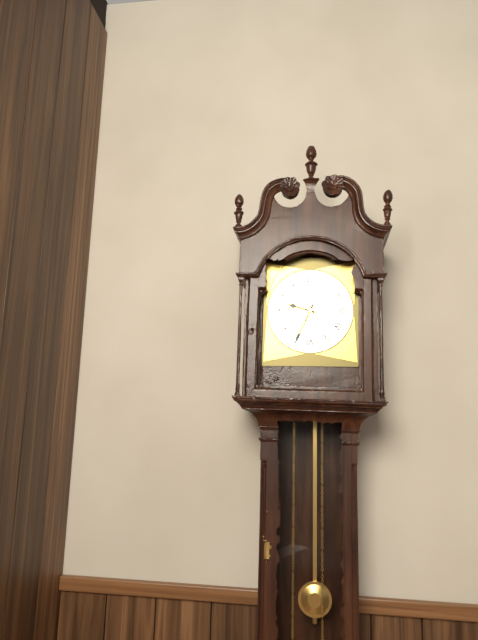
9:34
